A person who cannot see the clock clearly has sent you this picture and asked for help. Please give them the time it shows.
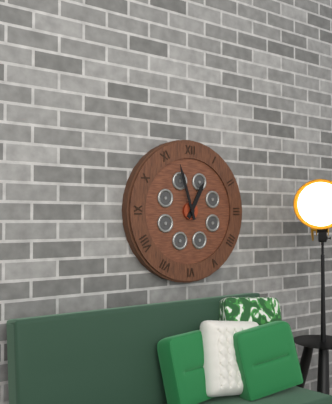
12:57
